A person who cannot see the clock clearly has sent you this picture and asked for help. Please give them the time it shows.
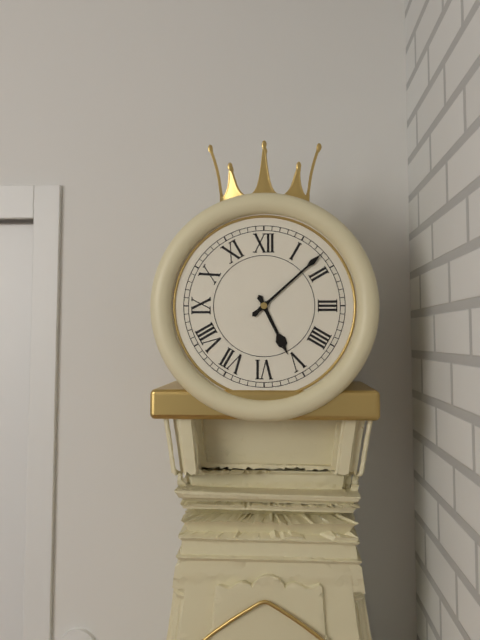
5:08
